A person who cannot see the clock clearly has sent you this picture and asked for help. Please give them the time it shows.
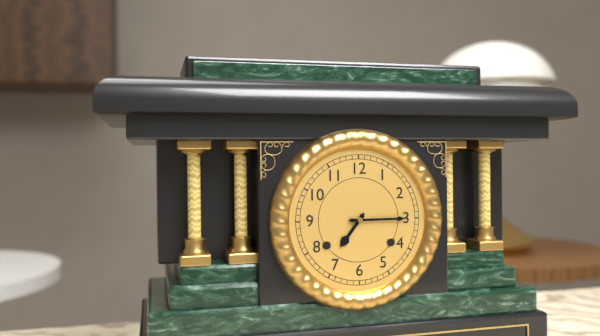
7:15
